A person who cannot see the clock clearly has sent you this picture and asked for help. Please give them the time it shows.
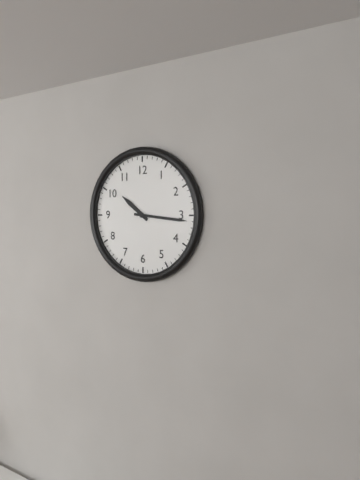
10:16
